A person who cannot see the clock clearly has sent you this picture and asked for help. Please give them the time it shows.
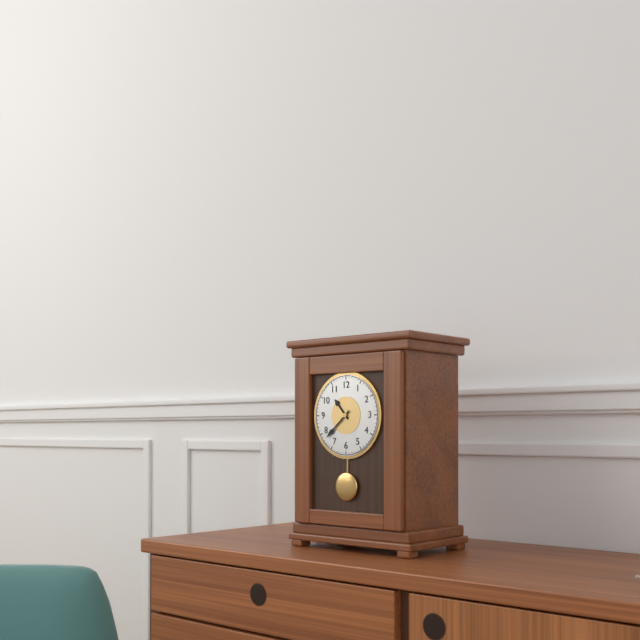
10:38
